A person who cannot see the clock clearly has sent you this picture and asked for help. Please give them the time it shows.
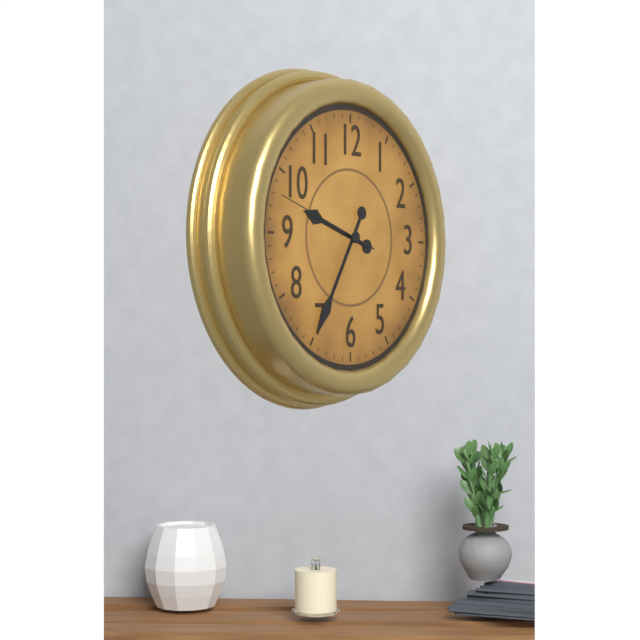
9:35:48
